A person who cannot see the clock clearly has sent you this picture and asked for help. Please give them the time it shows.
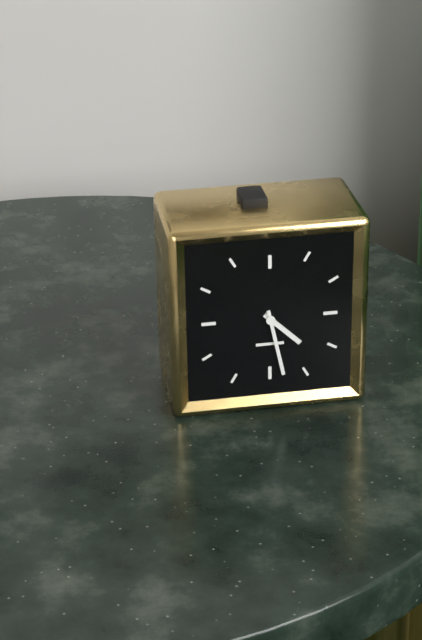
4:28
